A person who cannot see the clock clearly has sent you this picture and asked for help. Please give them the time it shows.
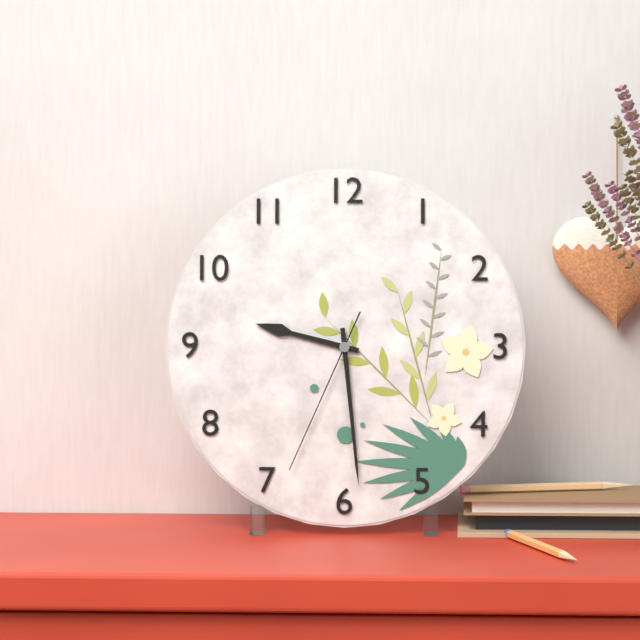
9:29:34
